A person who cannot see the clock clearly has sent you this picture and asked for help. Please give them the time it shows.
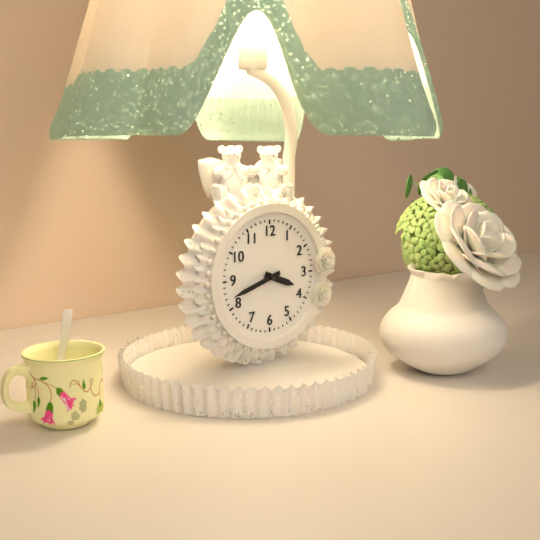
3:42
